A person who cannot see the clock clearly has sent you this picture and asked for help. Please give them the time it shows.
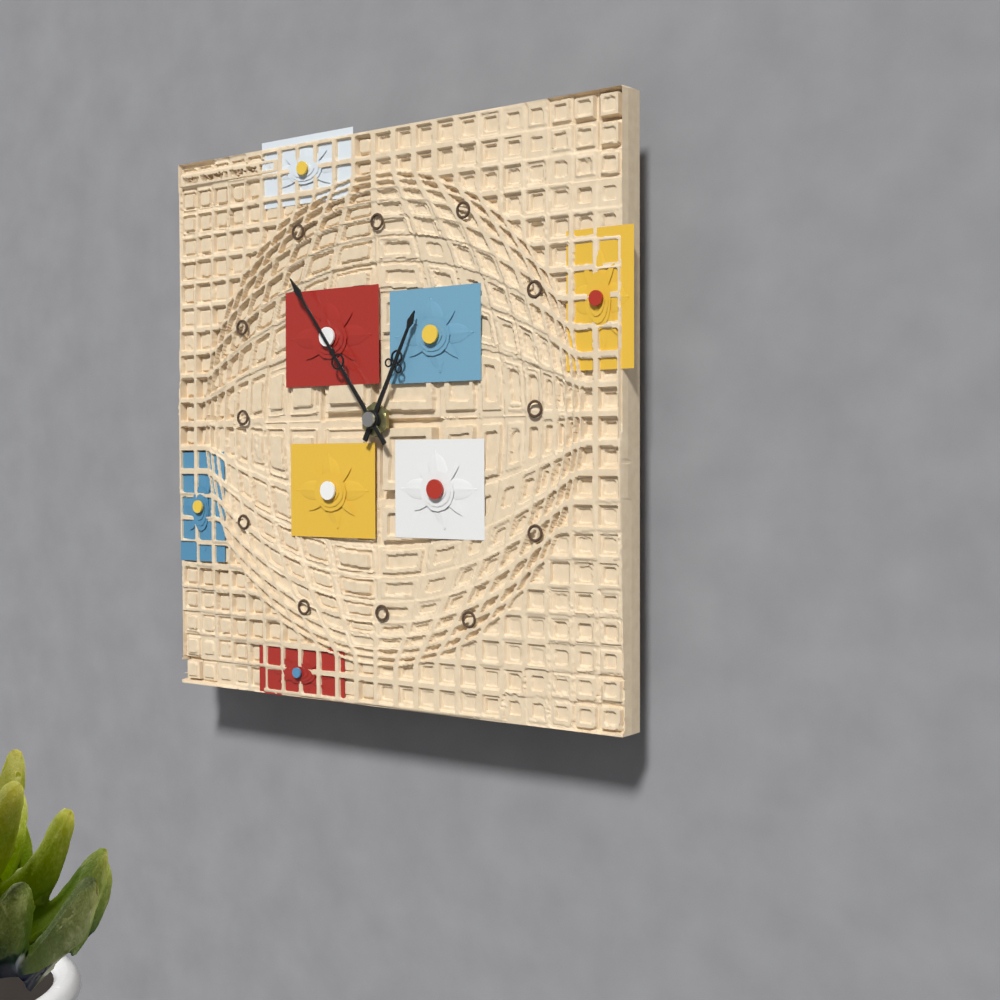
12:54
